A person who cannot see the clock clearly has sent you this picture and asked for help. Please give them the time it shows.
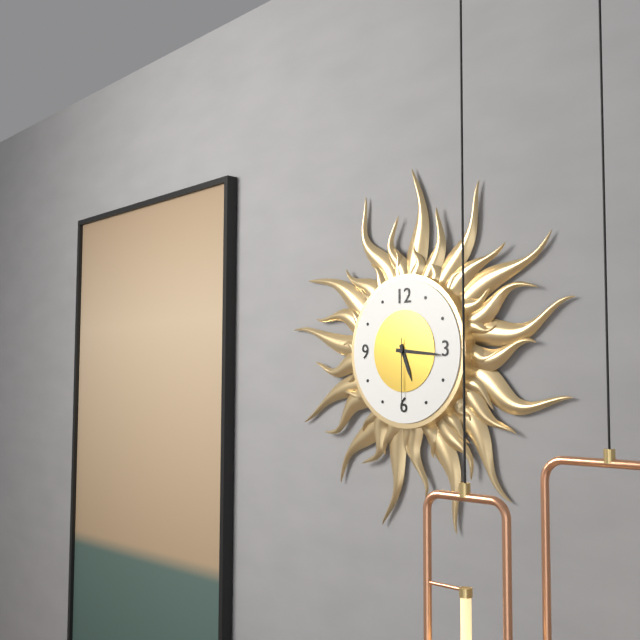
5:16:30
